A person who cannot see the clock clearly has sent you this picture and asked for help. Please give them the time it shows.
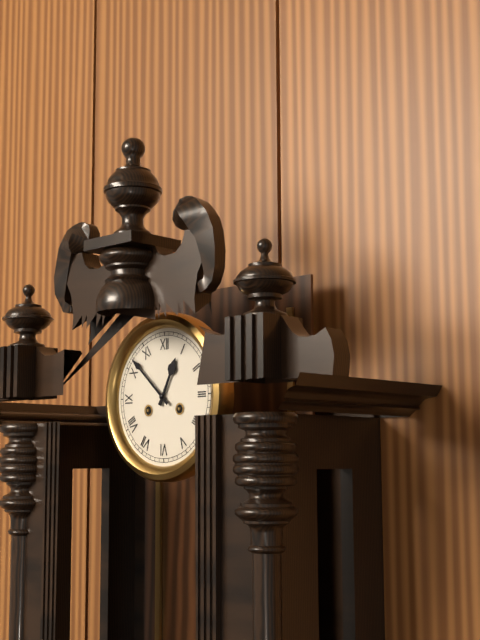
12:52
